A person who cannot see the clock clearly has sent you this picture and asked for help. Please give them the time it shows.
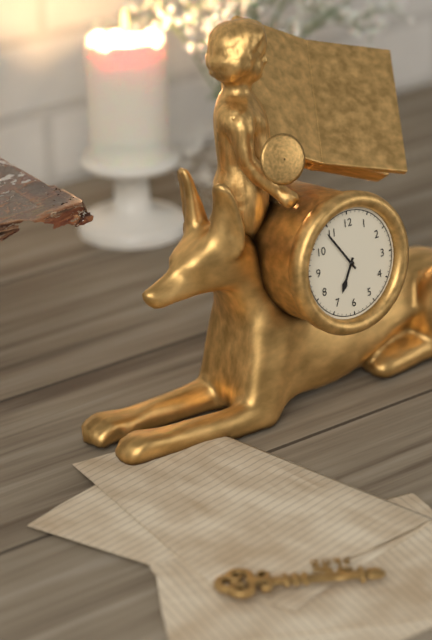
6:54
